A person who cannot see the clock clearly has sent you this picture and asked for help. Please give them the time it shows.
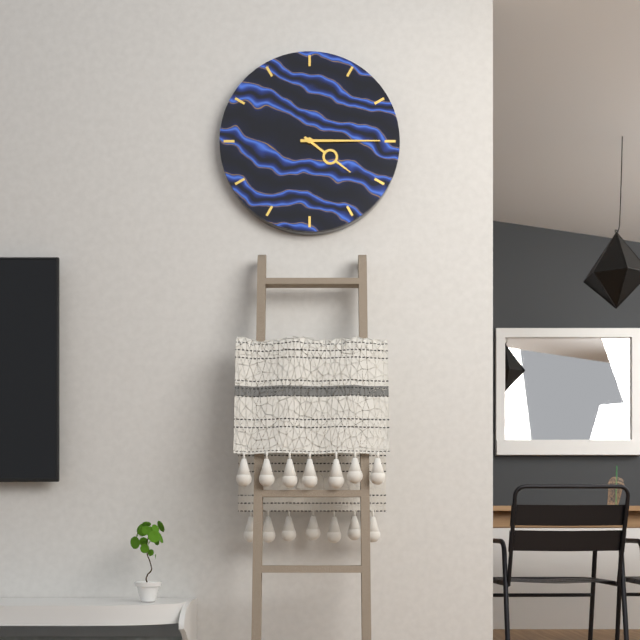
4:15
